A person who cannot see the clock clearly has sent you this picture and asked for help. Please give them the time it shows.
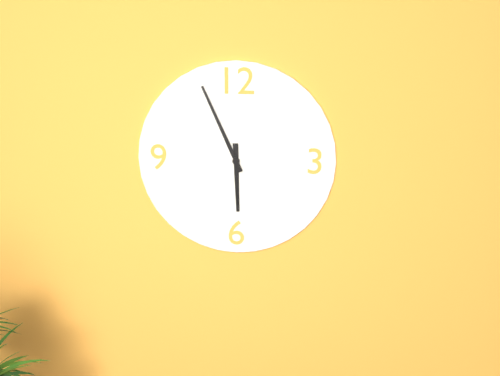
5:56
